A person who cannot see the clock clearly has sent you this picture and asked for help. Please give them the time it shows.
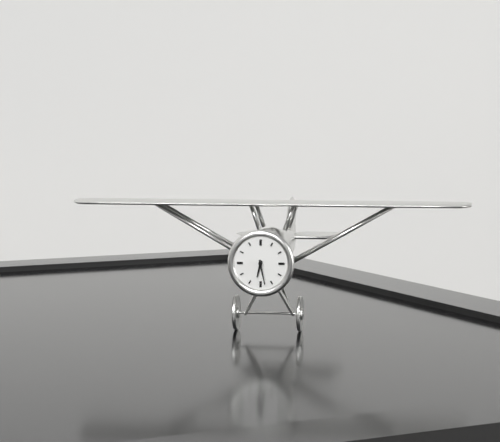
6:28
